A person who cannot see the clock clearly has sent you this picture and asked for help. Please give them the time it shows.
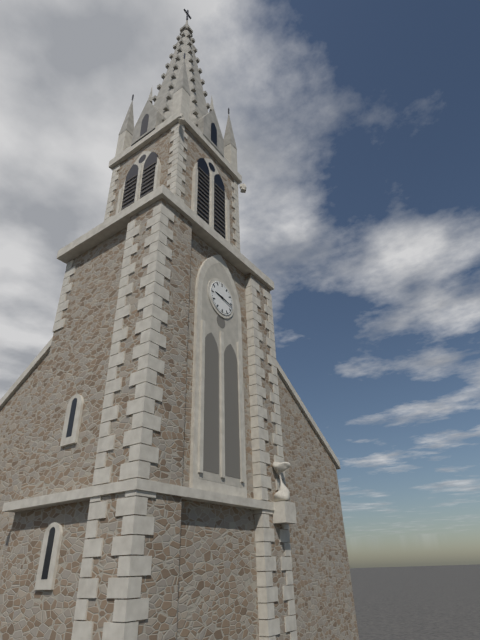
9:17
